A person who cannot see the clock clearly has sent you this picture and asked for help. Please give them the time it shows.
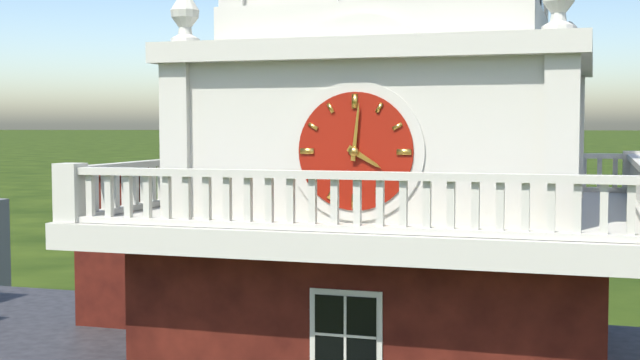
4:01
